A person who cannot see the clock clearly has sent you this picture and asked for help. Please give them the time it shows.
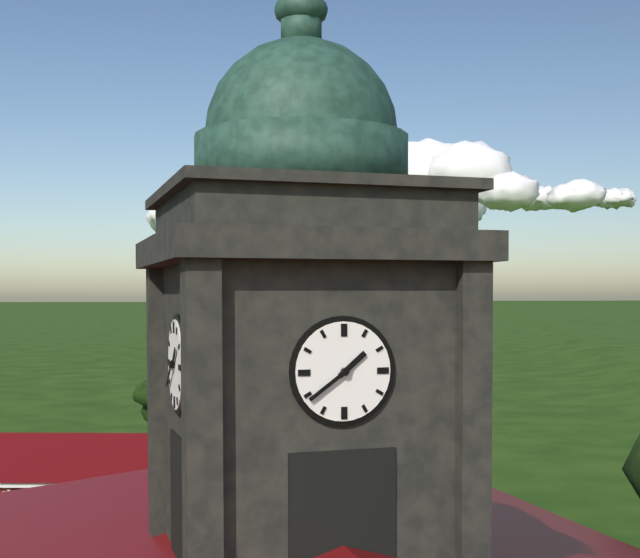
1:39
